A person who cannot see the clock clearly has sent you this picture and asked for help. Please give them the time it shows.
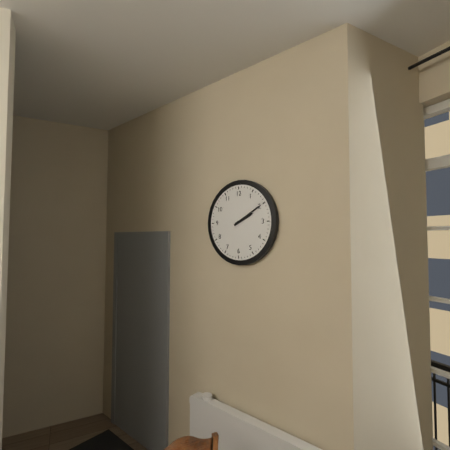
2:10
